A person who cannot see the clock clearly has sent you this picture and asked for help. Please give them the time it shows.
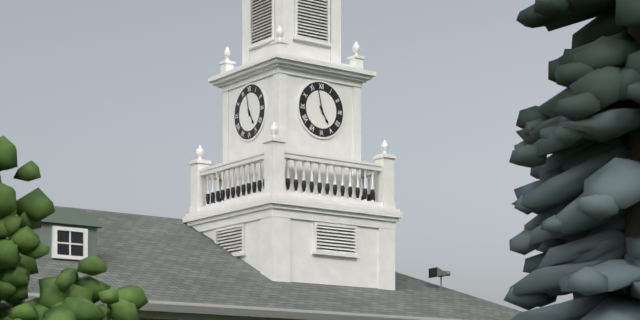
4:58
